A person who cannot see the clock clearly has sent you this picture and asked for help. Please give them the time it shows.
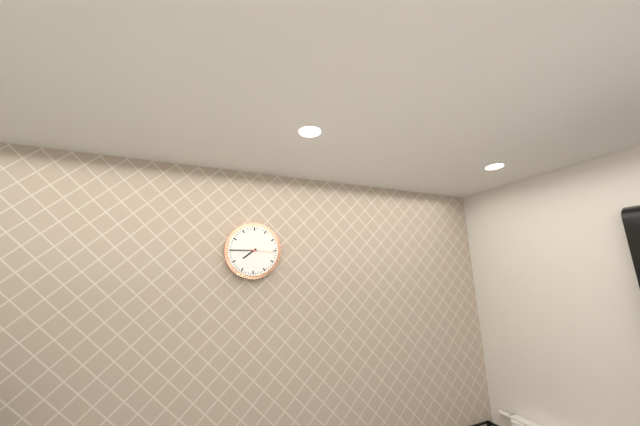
7:45
